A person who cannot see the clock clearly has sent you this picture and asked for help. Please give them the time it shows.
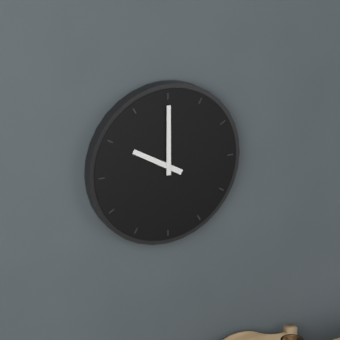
10:00
